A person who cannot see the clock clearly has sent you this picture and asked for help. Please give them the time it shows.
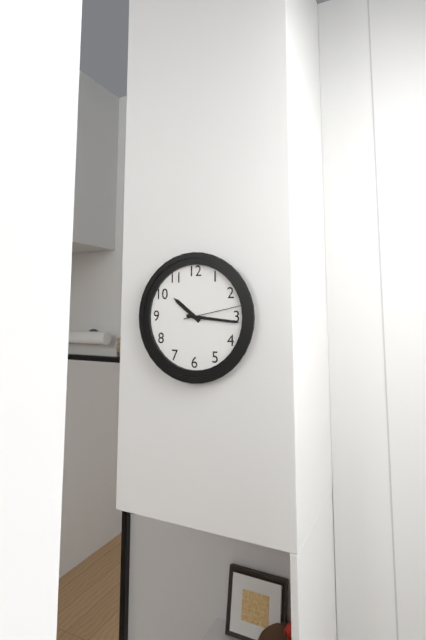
10:16:13
